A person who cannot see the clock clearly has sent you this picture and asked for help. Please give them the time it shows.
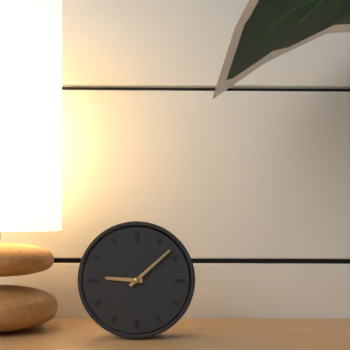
9:08
